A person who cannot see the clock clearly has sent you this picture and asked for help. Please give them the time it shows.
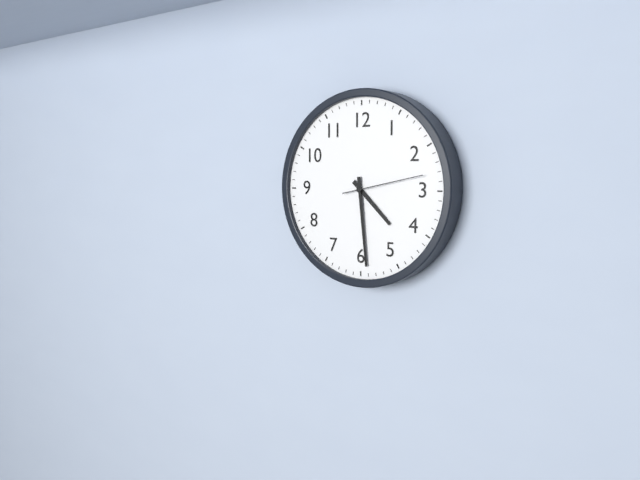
4:29:13
